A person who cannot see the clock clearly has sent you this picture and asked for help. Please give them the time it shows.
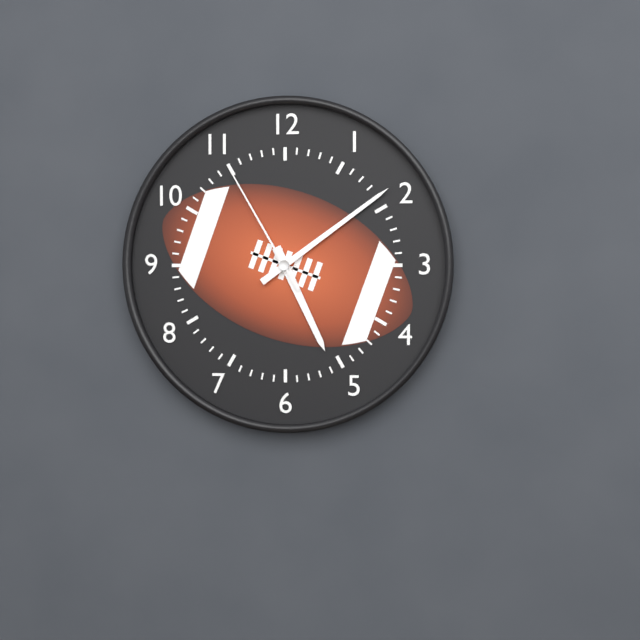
5:09:55
